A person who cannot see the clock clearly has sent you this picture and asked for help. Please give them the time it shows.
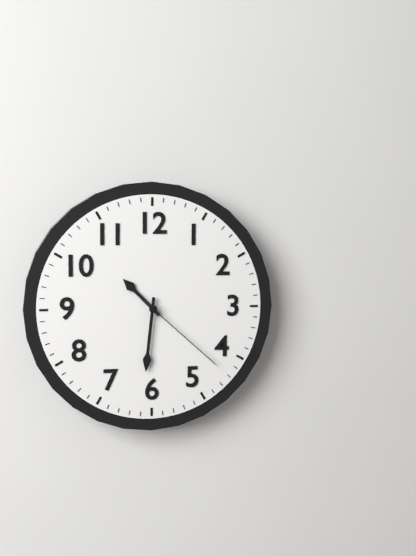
10:31:22
